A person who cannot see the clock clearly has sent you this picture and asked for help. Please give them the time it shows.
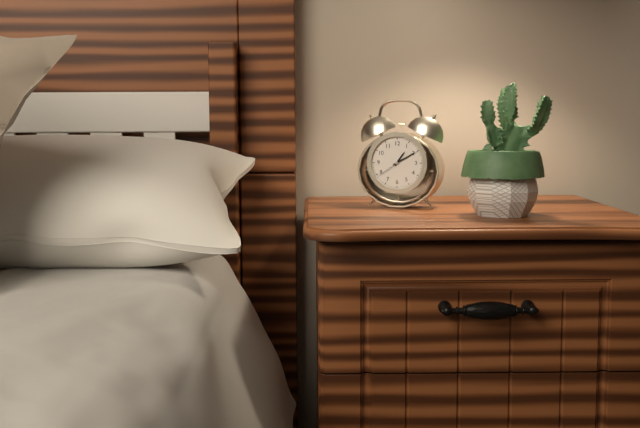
1:10
